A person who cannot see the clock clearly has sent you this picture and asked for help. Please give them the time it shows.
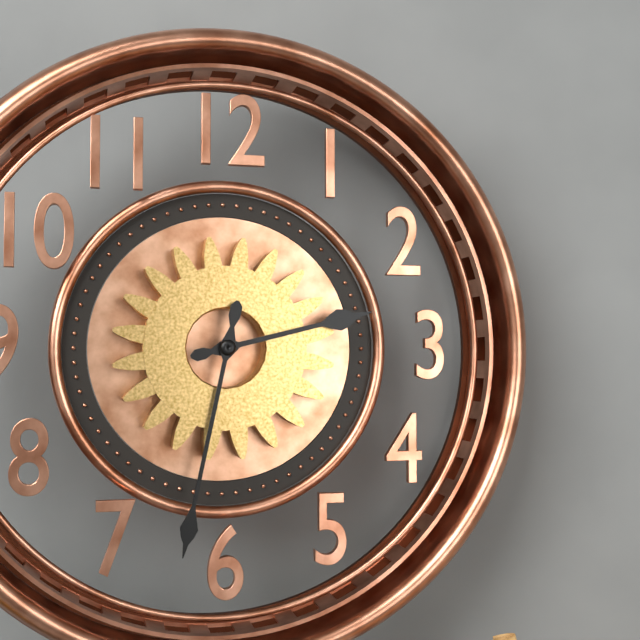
2:32
